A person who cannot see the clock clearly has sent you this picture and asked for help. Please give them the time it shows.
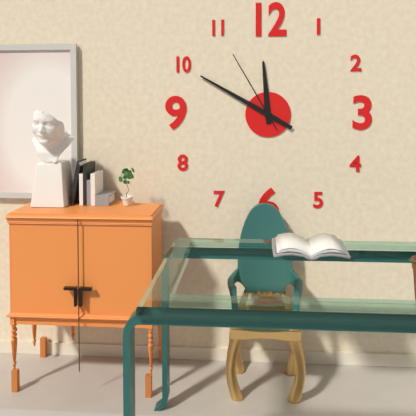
11:50:55
